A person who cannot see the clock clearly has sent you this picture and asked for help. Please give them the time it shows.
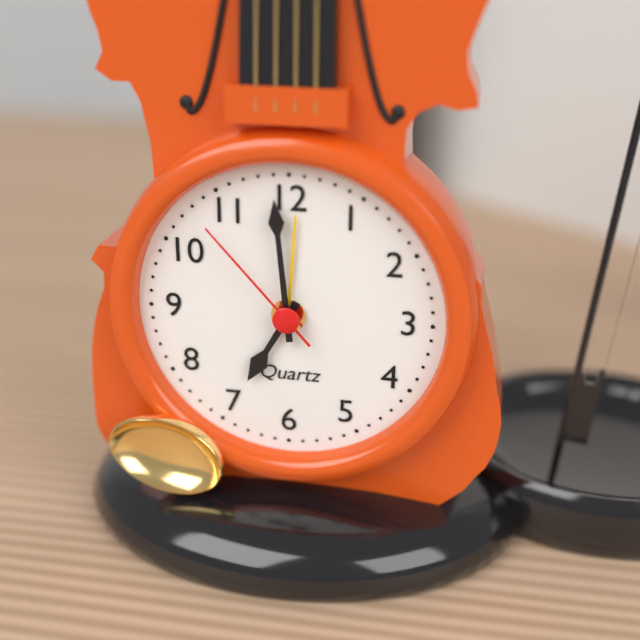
6:59:53
